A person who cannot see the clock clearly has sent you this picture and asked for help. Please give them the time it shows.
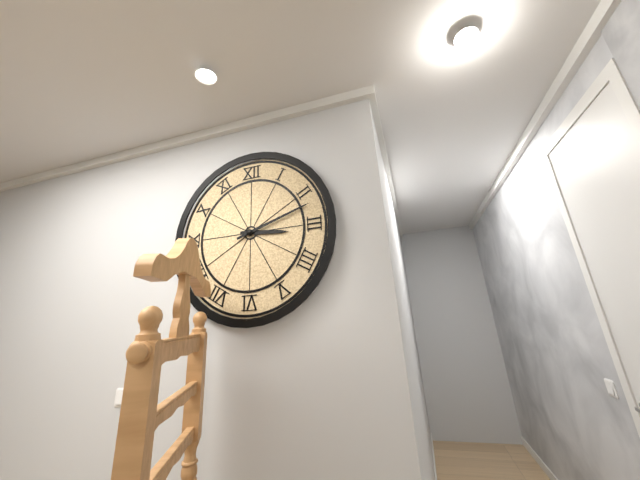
3:12
